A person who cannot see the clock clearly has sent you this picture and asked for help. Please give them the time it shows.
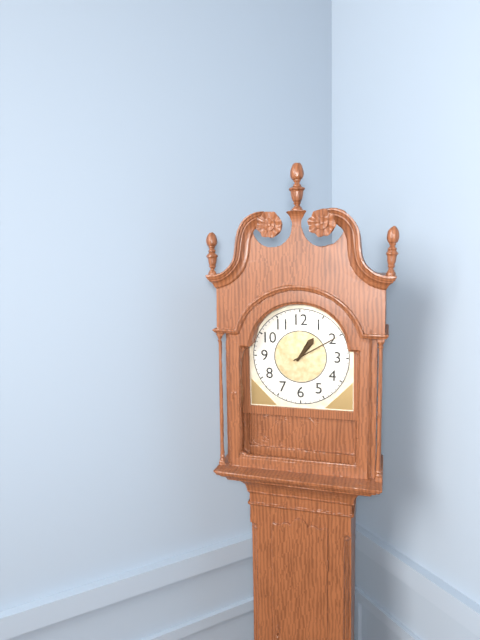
1:10
